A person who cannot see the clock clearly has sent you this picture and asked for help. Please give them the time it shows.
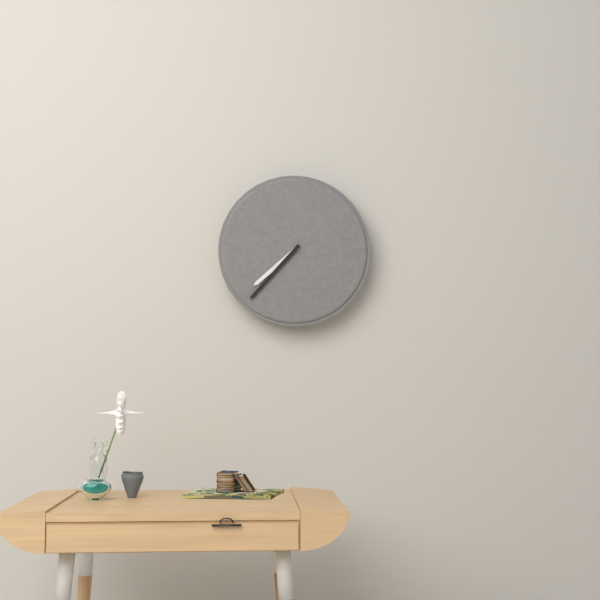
7:37
